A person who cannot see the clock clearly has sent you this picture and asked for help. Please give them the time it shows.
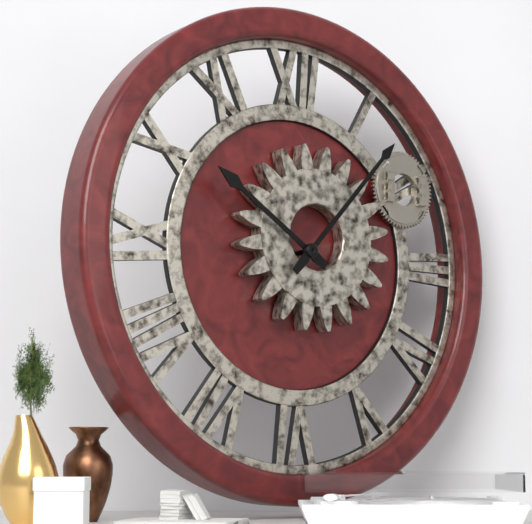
10:07
